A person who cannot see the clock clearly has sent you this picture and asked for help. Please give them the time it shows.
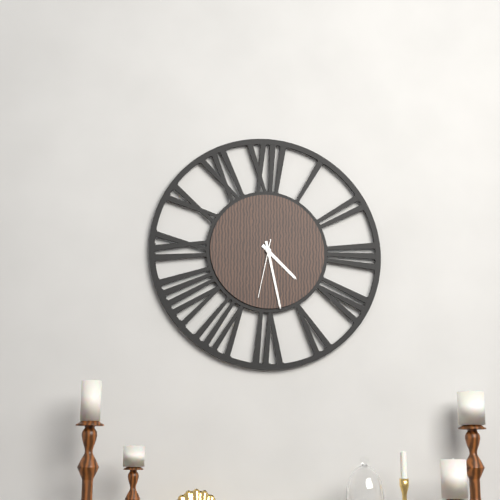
4:28:32
